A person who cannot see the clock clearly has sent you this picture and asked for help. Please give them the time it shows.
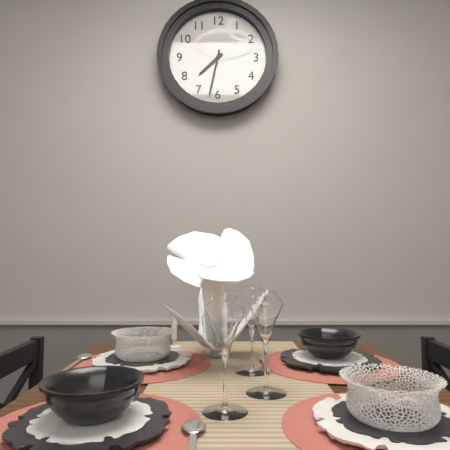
7:32
